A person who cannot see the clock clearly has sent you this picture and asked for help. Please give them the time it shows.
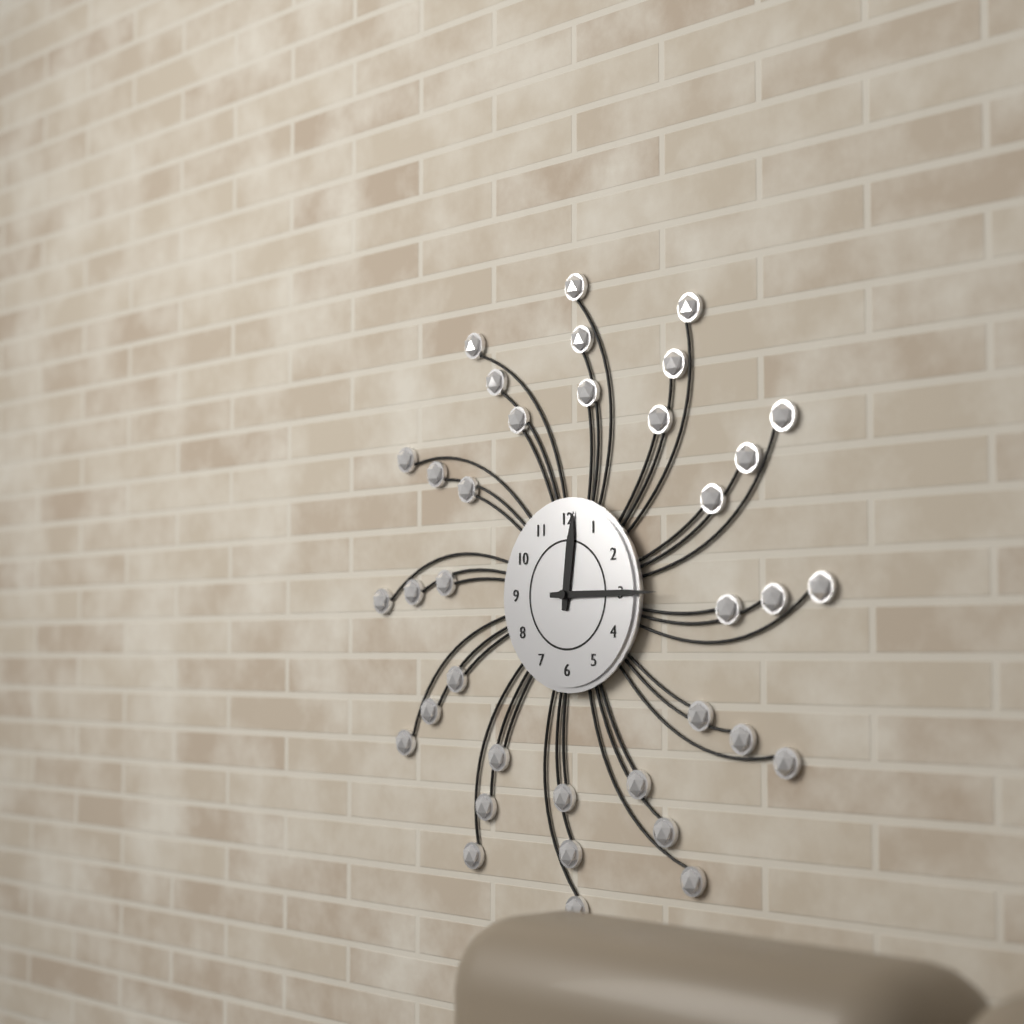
12:15
